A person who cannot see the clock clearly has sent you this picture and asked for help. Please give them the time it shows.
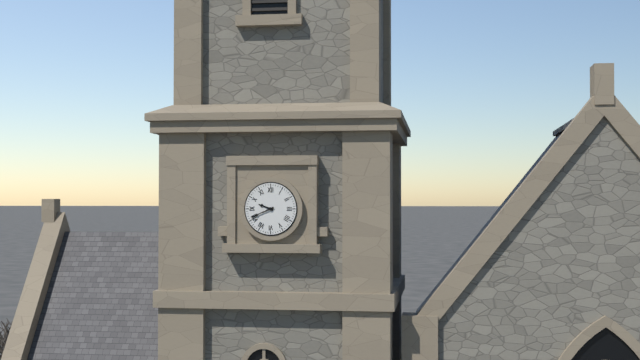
9:41
